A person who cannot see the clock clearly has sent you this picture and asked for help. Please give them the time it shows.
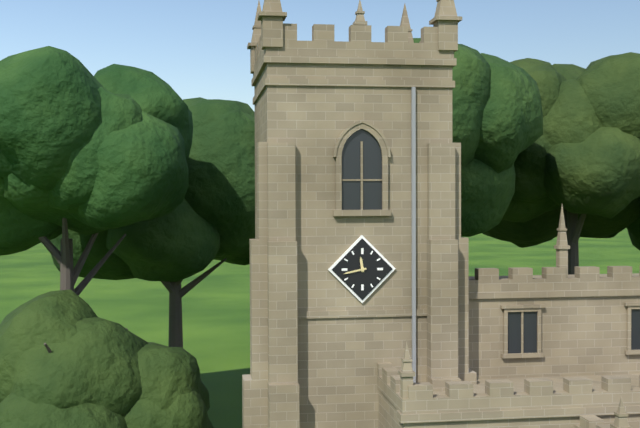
11:43
